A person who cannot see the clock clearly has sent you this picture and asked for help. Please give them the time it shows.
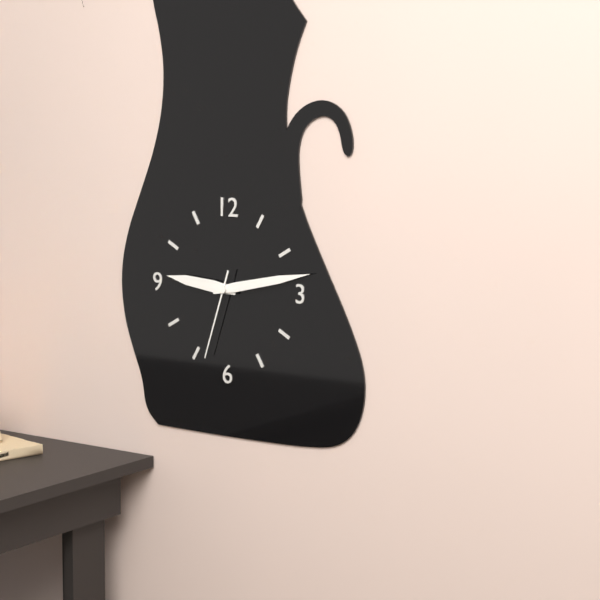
9:13:33
